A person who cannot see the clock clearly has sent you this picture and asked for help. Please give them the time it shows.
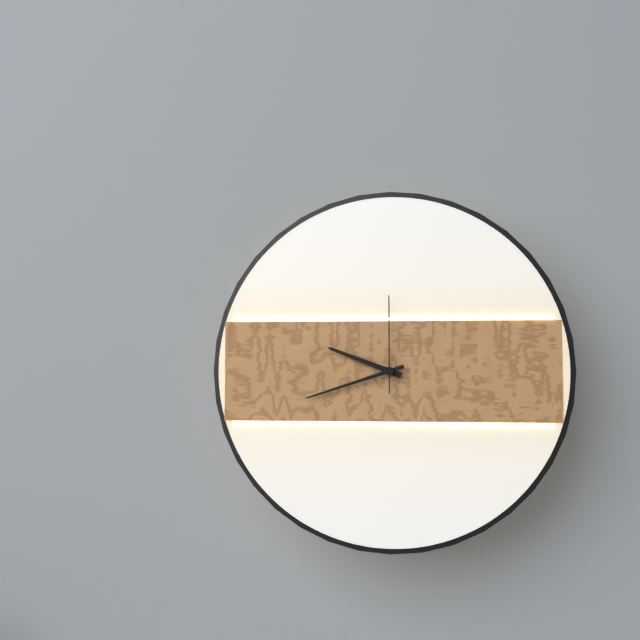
9:42:00
